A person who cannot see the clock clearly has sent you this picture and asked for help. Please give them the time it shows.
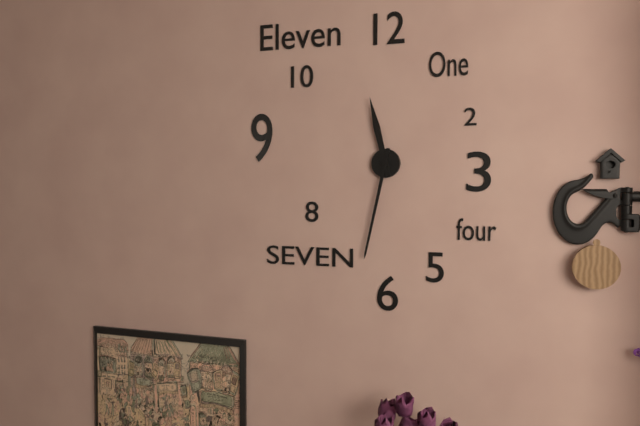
11:32
